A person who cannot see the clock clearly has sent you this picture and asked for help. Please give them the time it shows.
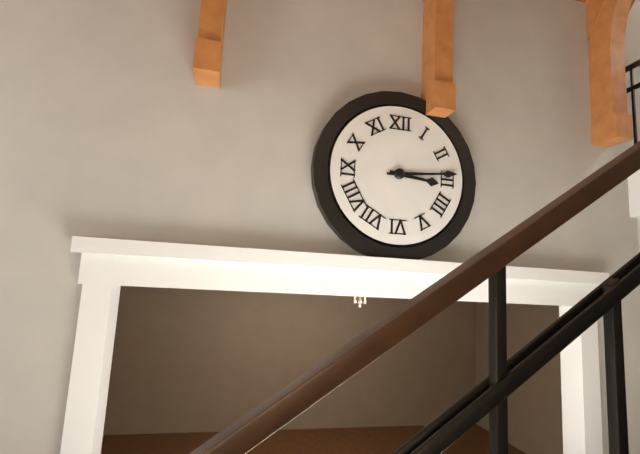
3:14
